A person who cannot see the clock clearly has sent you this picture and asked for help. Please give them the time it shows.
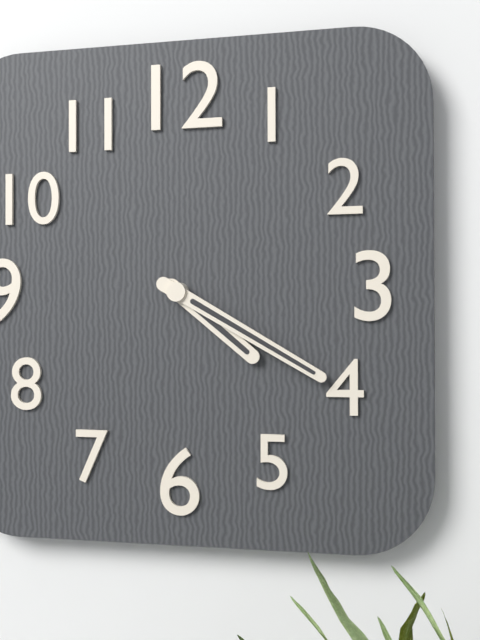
4:20
